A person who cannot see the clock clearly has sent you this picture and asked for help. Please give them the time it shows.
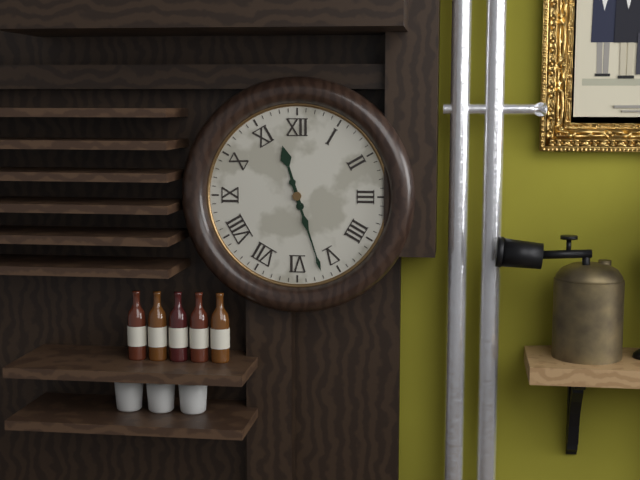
11:27
